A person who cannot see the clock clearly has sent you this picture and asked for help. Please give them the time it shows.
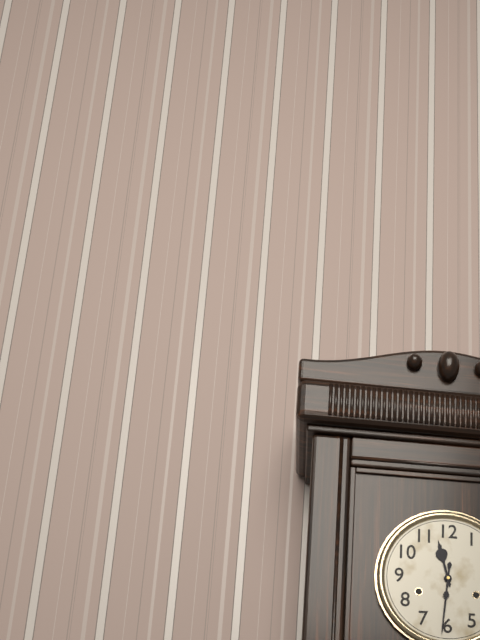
11:31
